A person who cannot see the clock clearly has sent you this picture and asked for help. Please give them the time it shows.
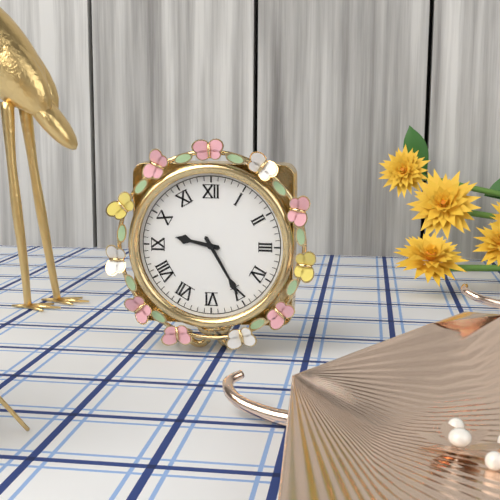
9:25
